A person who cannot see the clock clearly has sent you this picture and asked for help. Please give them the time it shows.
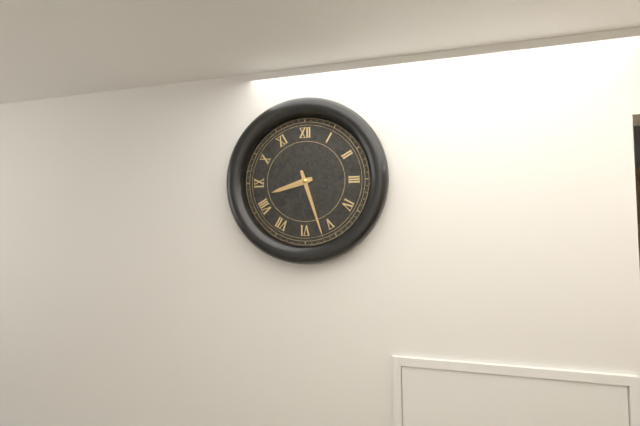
8:27
